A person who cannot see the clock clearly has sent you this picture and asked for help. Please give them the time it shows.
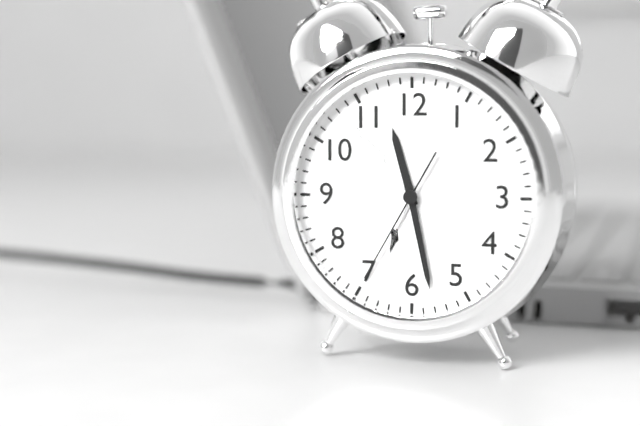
11:28:35
